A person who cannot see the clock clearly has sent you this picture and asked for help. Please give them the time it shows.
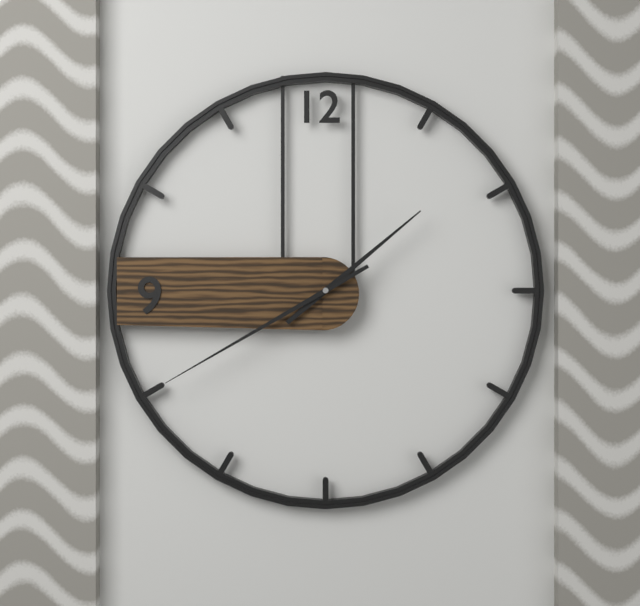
1:40
